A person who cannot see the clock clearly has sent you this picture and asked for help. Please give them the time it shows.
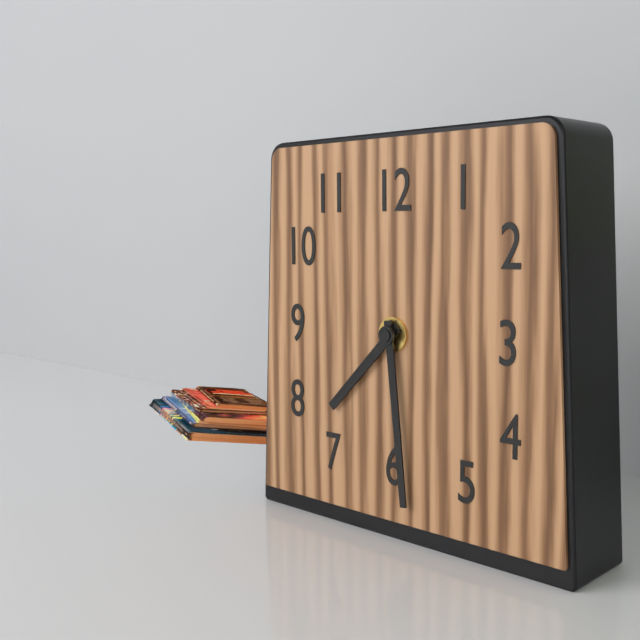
7:29
